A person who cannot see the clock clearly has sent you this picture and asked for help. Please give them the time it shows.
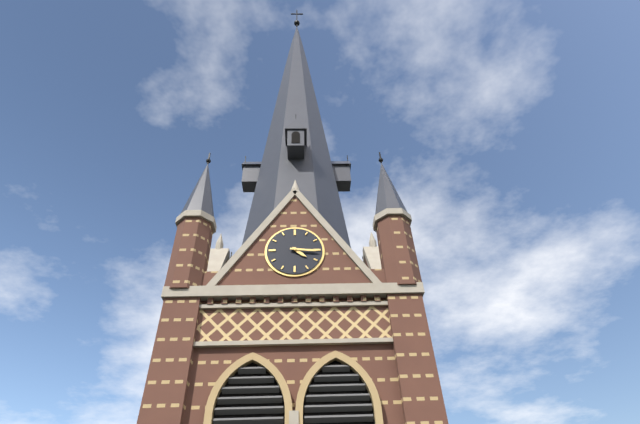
4:16
